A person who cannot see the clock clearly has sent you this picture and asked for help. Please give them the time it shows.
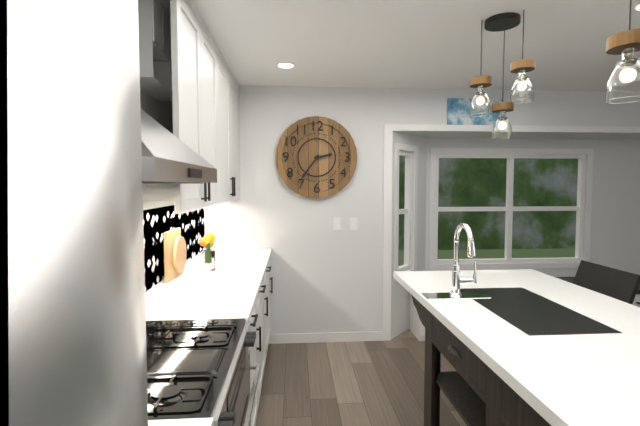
2:36
